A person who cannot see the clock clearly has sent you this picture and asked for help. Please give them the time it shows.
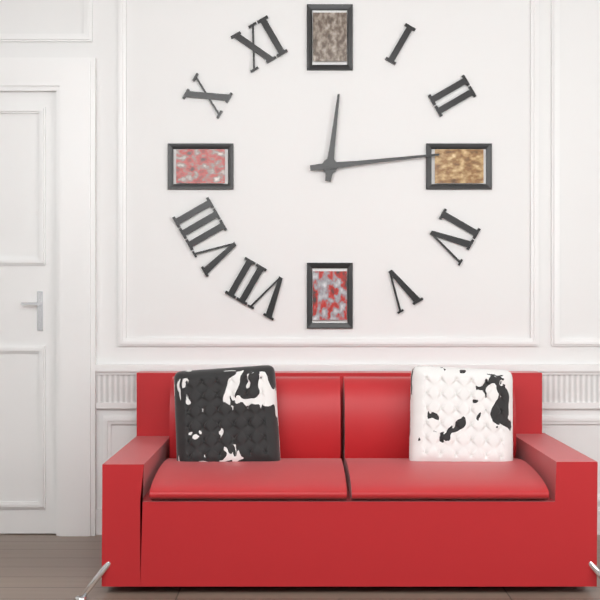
12:14
